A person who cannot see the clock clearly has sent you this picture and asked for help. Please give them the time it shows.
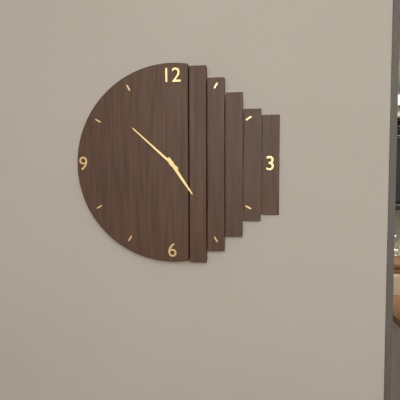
4:52
